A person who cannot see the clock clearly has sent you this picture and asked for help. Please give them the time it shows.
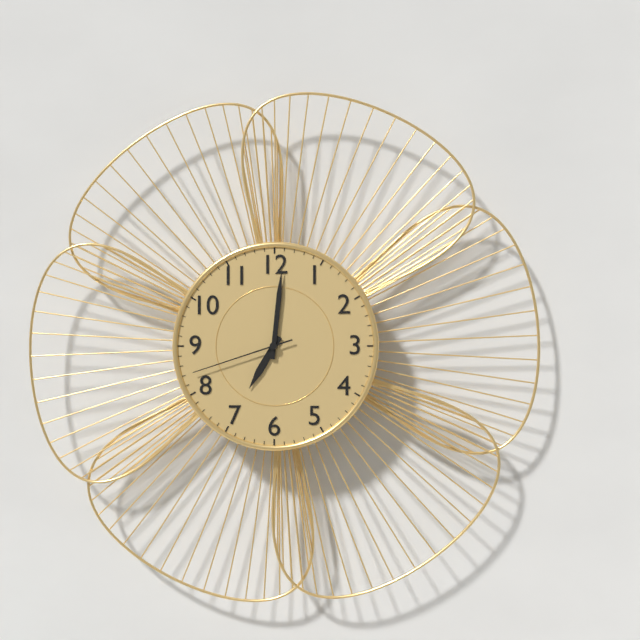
7:01:42
